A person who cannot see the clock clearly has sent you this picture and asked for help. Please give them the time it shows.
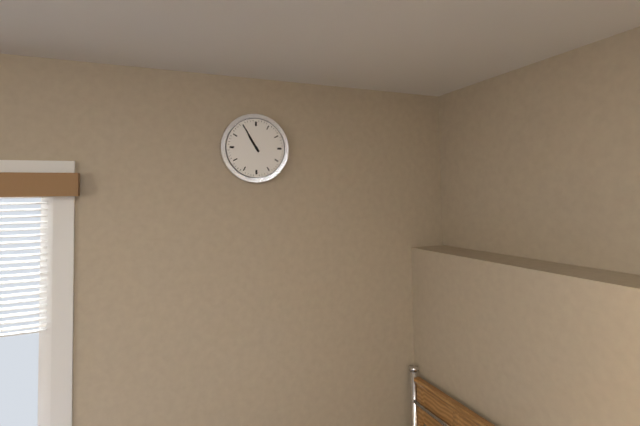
10:55
